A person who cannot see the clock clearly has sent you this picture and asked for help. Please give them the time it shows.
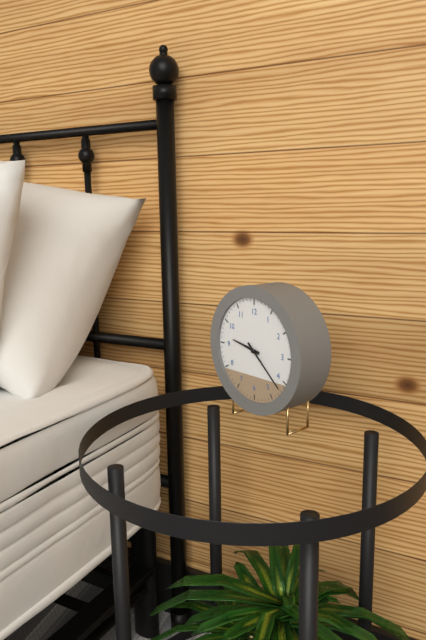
9:22
